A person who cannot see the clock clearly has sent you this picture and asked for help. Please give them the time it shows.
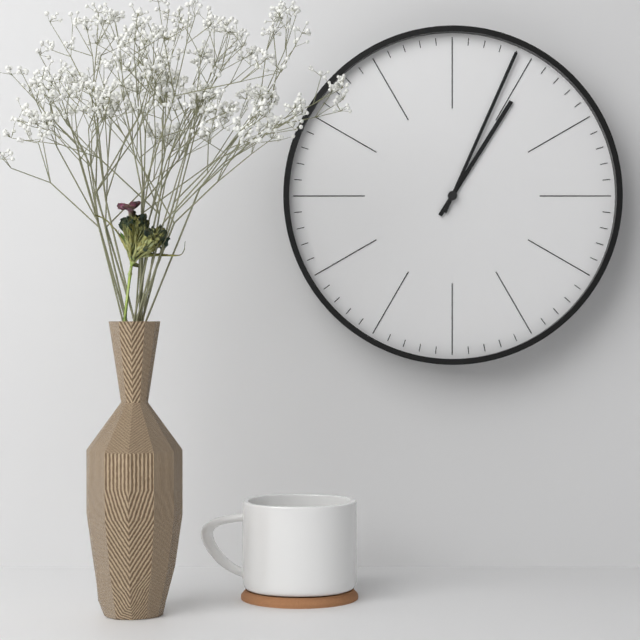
1:04
